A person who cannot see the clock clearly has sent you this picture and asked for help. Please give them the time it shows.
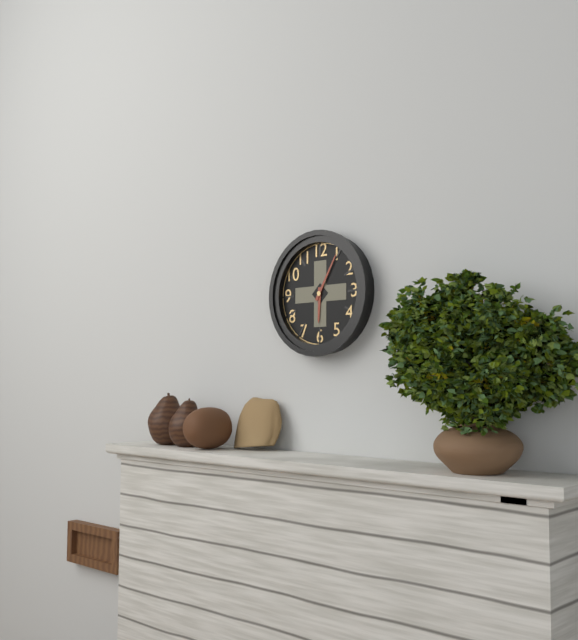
6:05
